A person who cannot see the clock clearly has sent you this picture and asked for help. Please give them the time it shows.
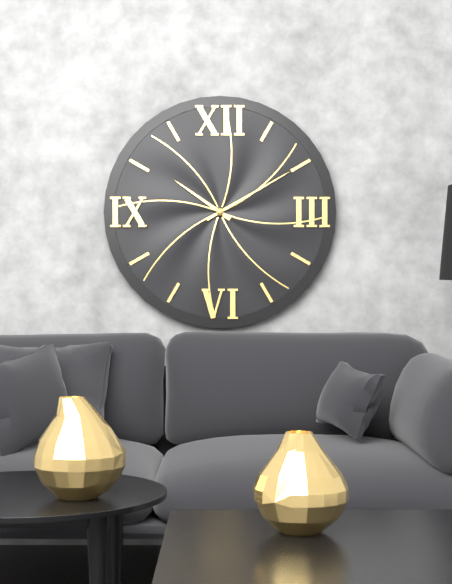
10:10
